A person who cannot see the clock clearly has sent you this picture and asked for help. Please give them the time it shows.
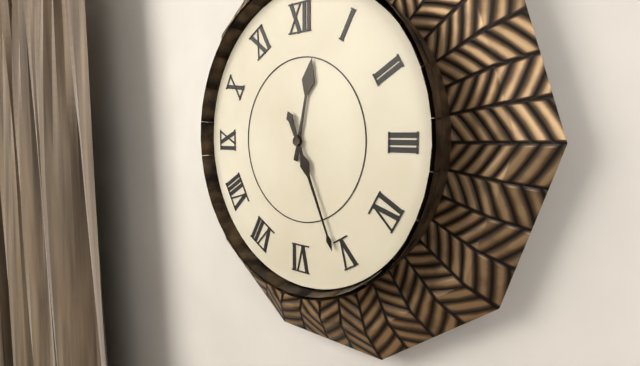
12:26
